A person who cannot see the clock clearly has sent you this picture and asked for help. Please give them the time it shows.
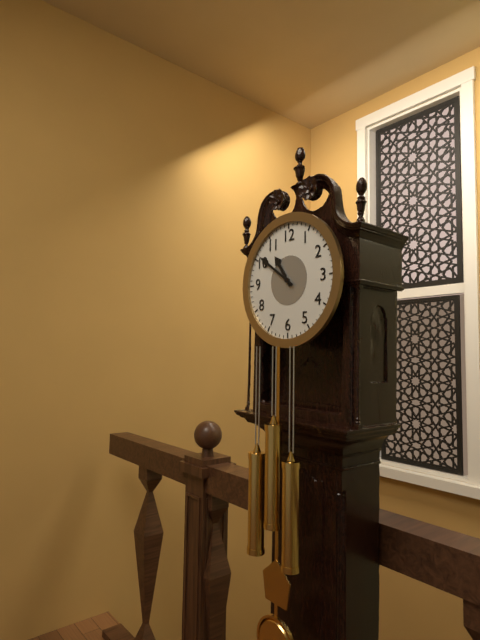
10:51
